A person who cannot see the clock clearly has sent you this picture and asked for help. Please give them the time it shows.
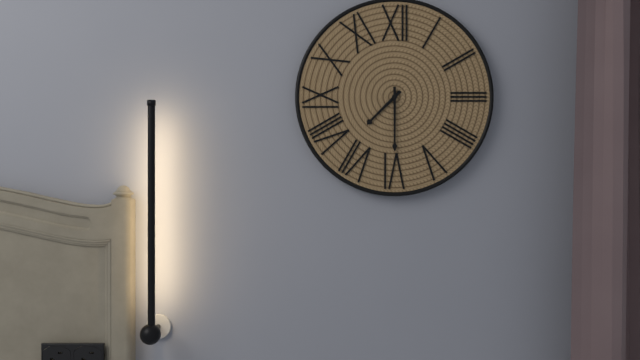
7:30
